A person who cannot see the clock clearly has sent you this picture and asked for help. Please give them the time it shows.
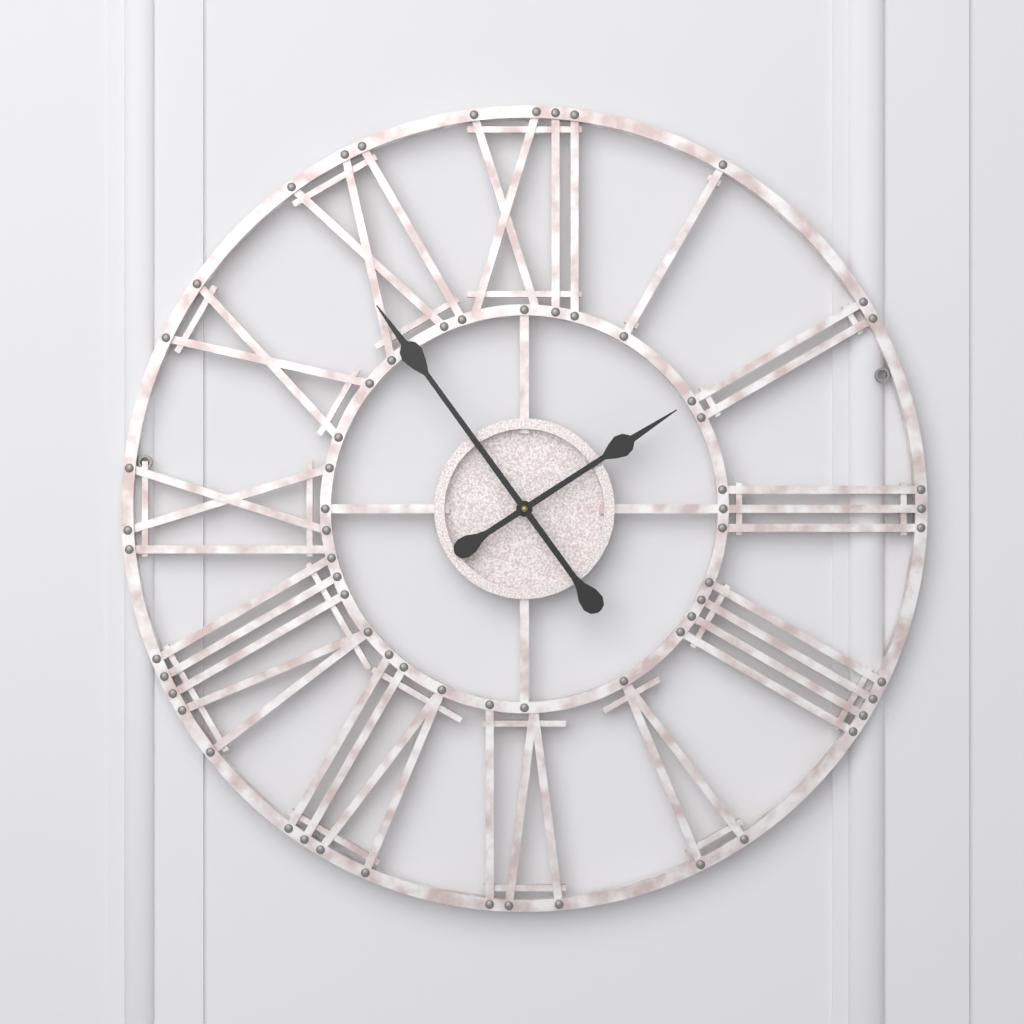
1:54
